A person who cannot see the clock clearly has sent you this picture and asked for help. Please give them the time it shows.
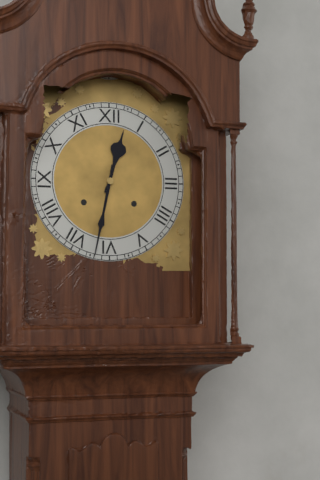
12:32
